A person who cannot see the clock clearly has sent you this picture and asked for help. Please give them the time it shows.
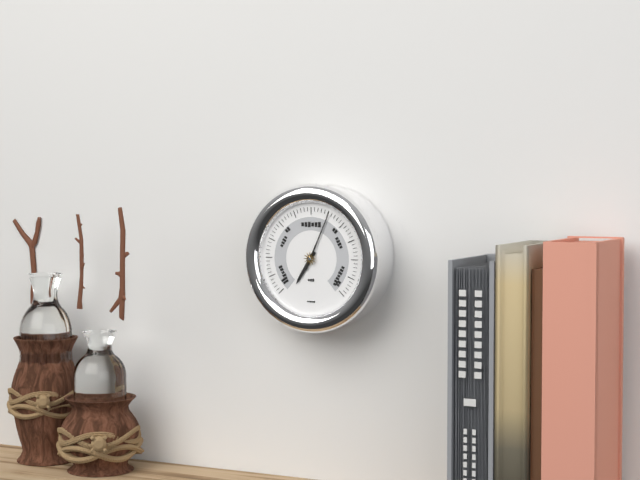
7:04
